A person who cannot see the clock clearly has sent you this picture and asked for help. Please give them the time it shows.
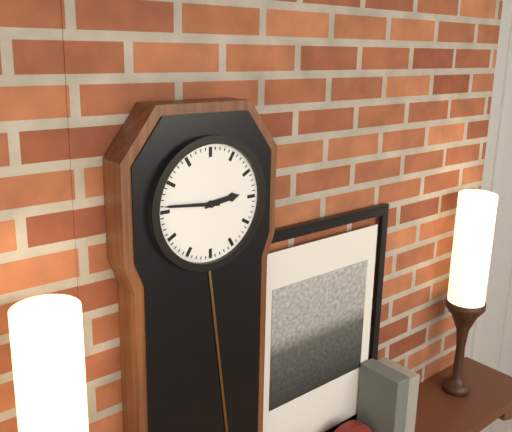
2:46
